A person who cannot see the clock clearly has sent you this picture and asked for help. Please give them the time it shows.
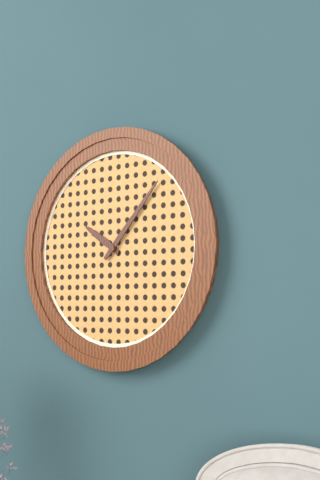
10:07
